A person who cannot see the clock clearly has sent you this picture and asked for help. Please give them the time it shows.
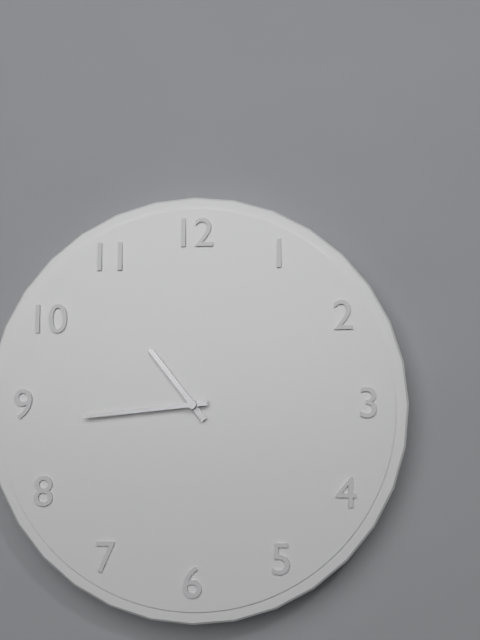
10:44
